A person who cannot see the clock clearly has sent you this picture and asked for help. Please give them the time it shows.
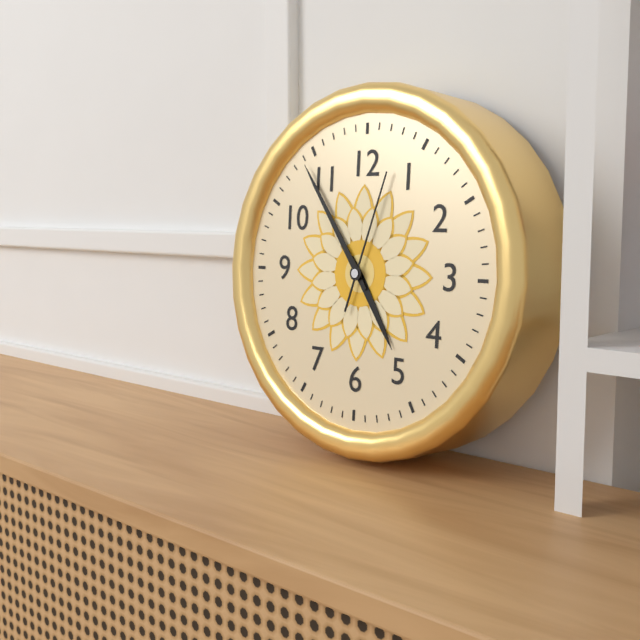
4:54:03
